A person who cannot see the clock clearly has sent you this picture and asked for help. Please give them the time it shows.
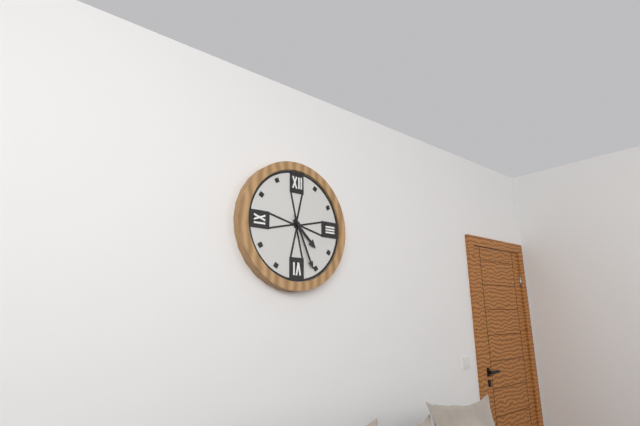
4:26
